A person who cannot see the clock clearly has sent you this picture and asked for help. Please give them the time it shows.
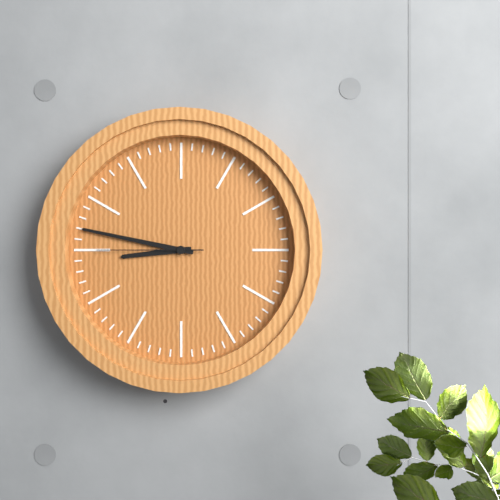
8:47:45
